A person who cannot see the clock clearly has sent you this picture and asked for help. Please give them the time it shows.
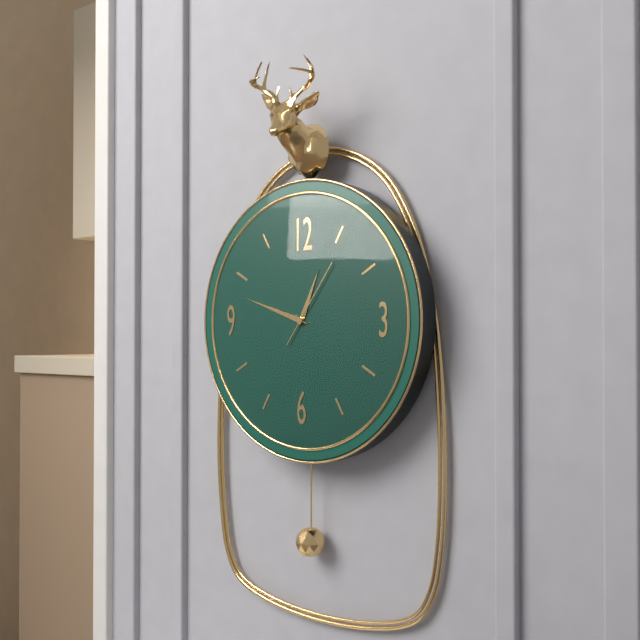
12:48:06
